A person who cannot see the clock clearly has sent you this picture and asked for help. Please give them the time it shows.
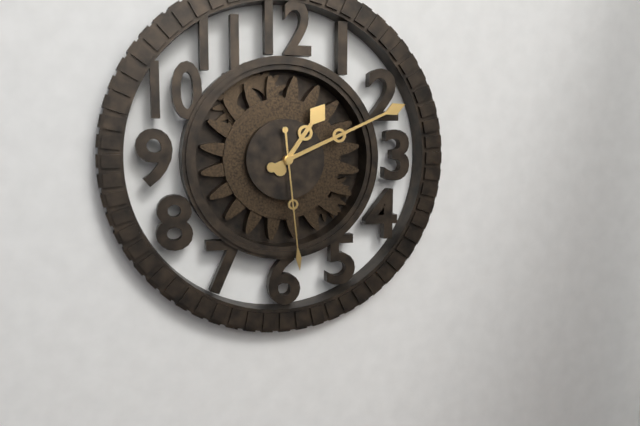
1:11:29
